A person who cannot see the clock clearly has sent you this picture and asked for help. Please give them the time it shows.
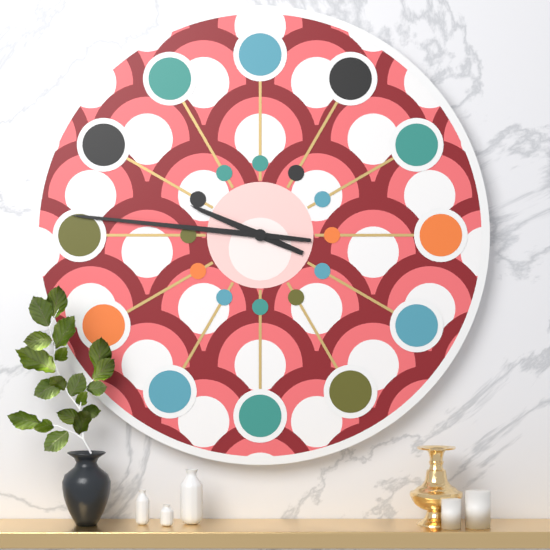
9:46
